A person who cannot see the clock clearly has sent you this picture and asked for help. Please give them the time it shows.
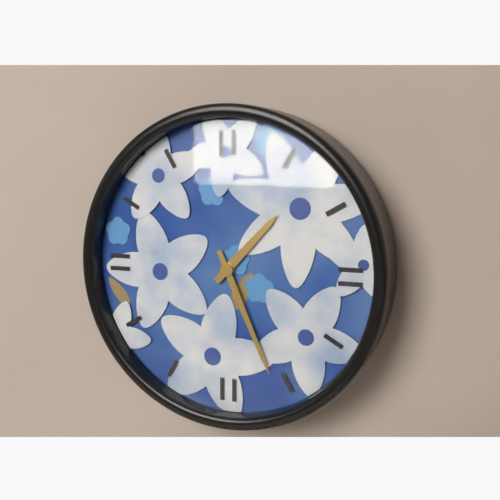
1:26
